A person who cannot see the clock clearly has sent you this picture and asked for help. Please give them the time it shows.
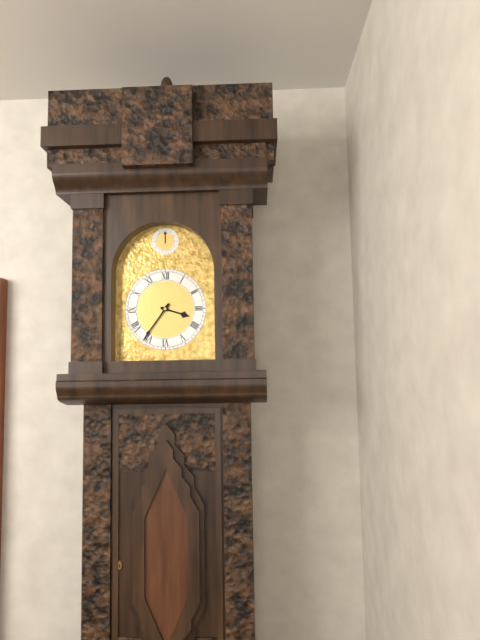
3:36
